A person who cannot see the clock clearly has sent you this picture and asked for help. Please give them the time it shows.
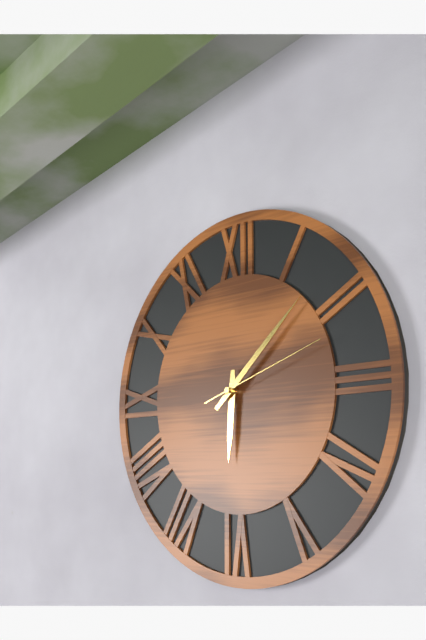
6:08:12
